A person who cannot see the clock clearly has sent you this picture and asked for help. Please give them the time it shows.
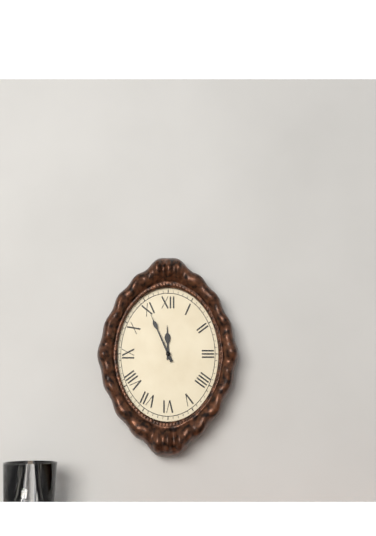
11:56
